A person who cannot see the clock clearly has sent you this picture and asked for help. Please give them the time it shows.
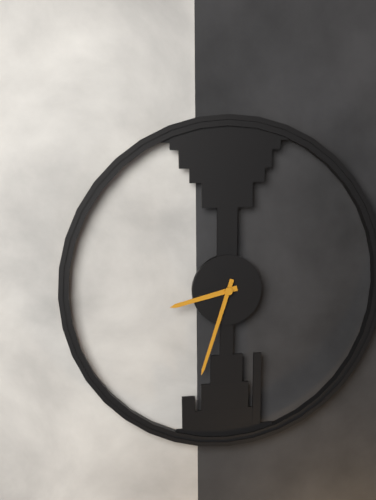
8:33
